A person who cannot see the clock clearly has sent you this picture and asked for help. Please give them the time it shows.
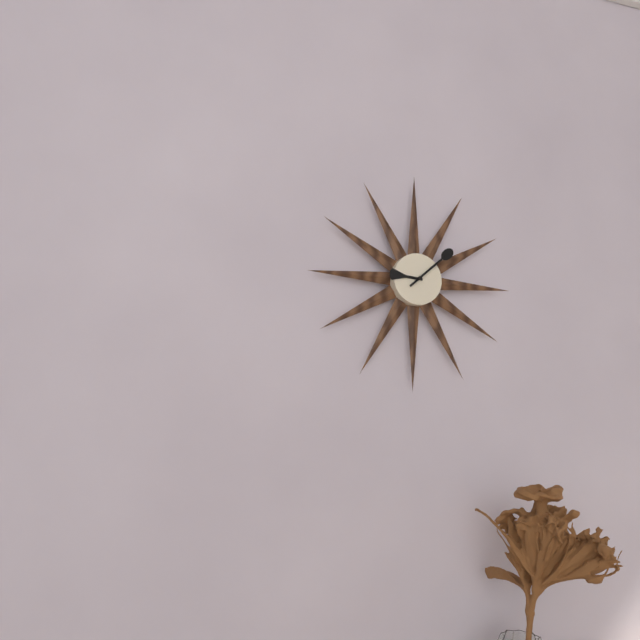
9:08
